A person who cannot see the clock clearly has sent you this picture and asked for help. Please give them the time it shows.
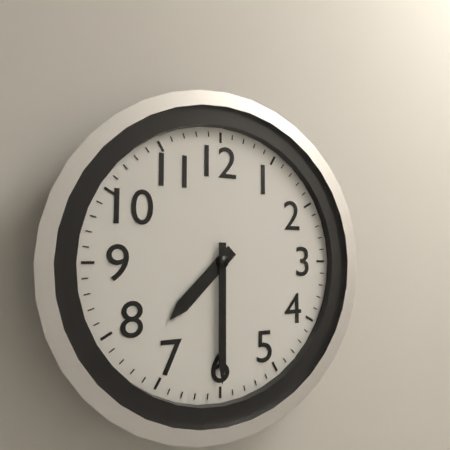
7:30
